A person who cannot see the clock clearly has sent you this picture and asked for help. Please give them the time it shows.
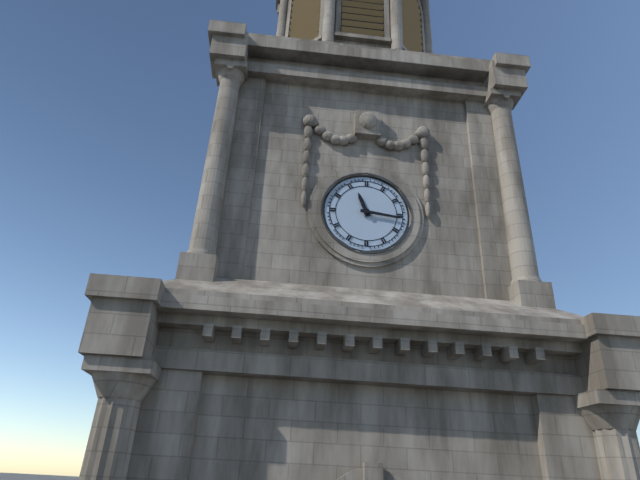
11:16
